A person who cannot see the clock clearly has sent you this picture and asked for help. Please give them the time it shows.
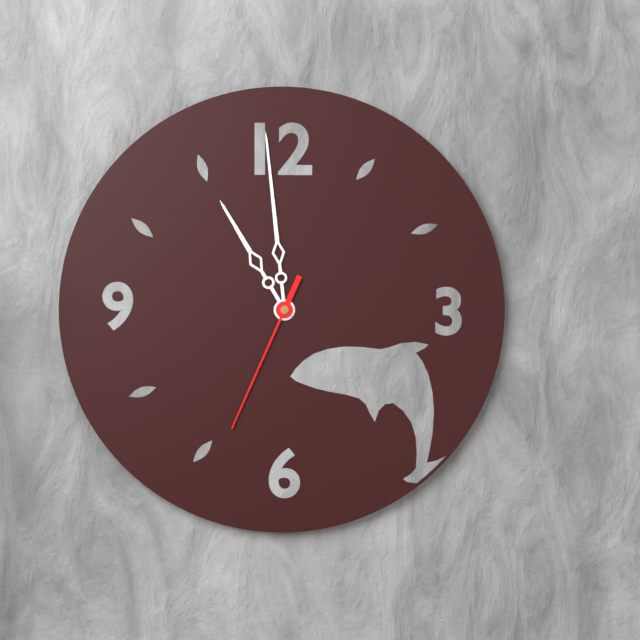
10:59:34
